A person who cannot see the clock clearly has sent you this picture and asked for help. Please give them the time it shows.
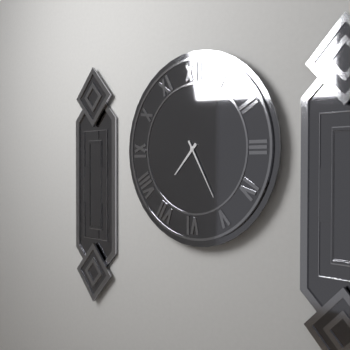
7:25
